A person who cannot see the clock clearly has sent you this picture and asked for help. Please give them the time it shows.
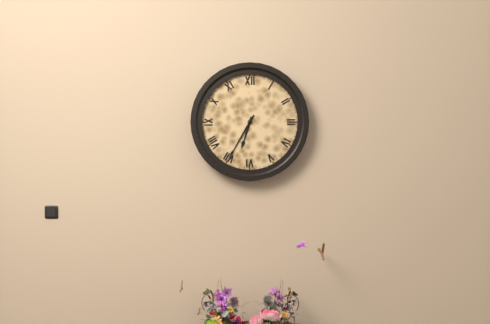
6:35
